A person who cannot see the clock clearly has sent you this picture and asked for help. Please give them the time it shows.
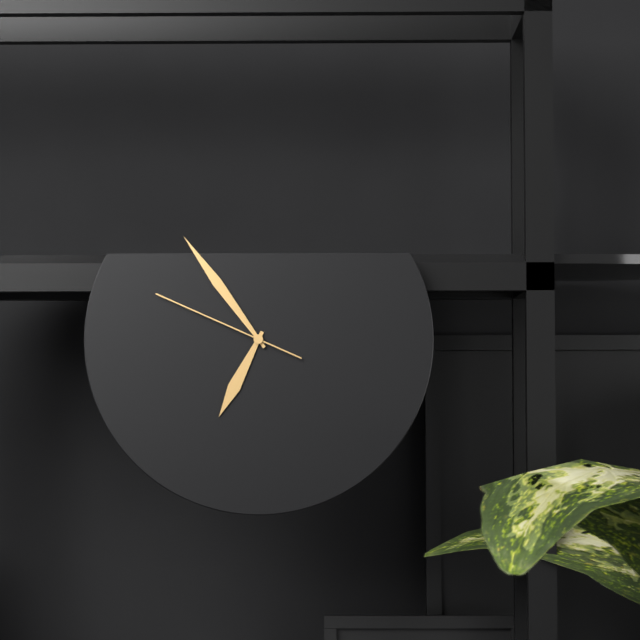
6:54:49
